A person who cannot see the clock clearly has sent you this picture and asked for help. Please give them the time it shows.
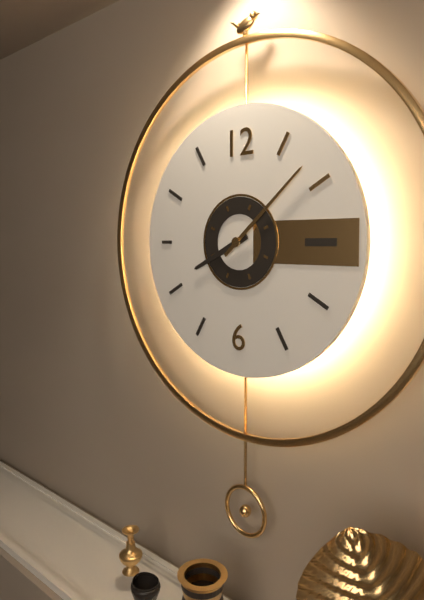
8:08
